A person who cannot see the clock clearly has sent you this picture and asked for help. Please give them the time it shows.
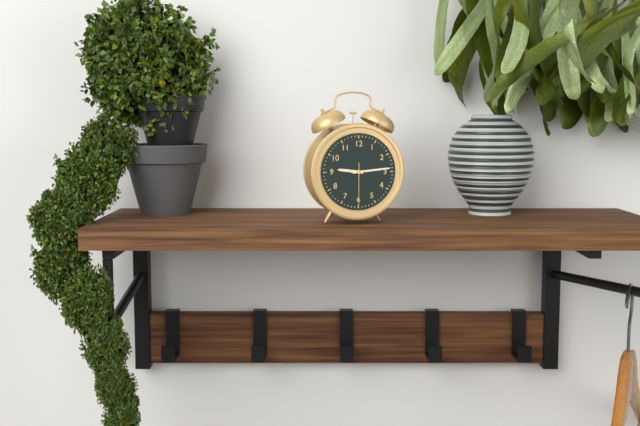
9:14
